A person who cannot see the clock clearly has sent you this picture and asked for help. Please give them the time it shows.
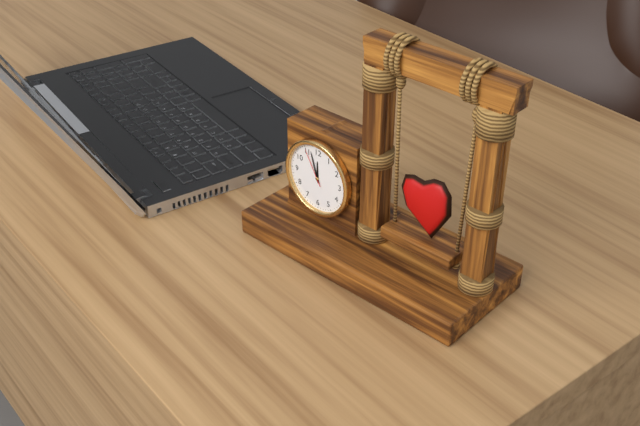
11:57
